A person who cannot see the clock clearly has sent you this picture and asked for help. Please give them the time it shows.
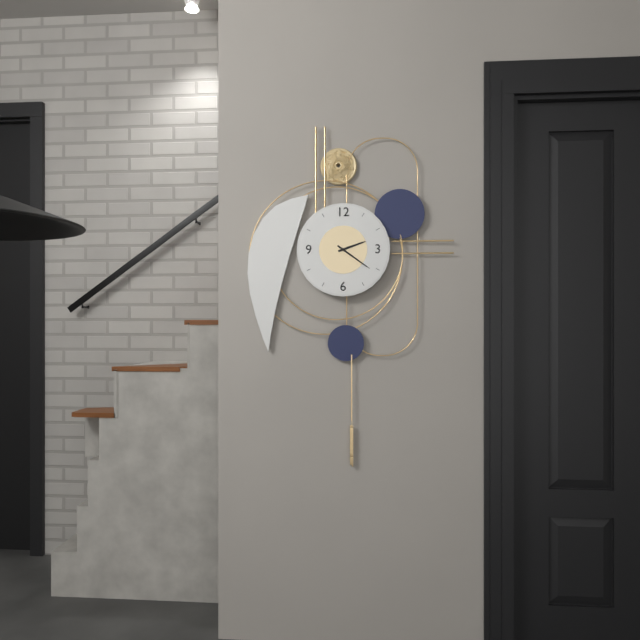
2:21
